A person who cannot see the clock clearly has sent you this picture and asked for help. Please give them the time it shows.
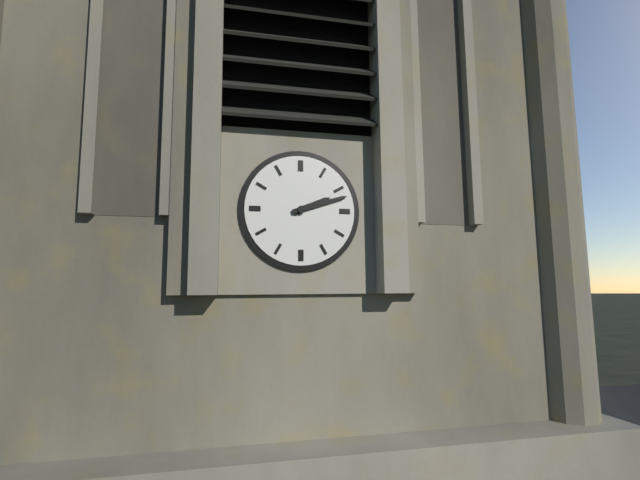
2:12
